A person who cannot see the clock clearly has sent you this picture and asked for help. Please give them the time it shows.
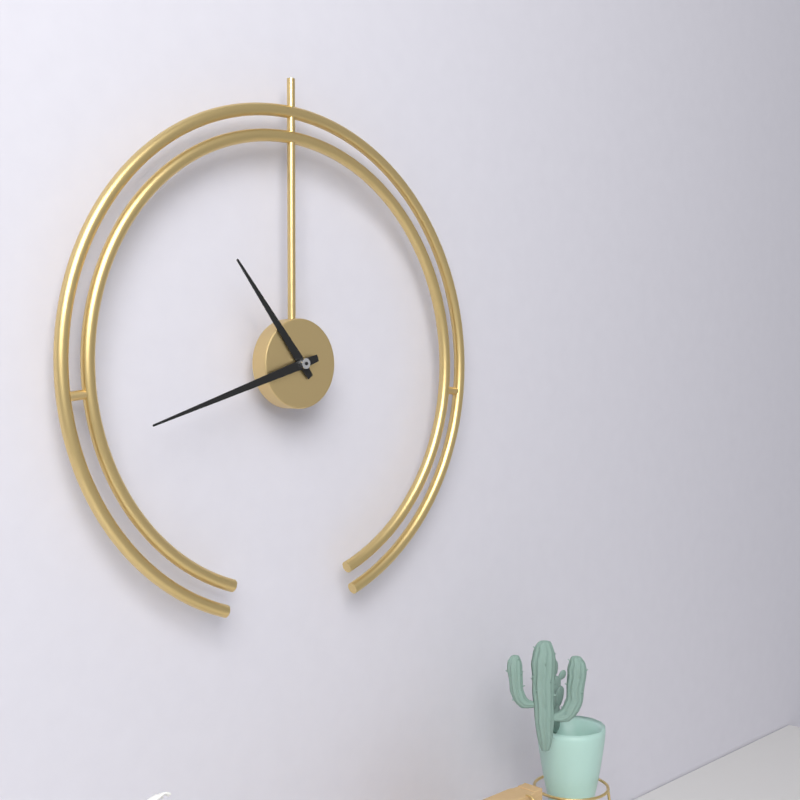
10:42
